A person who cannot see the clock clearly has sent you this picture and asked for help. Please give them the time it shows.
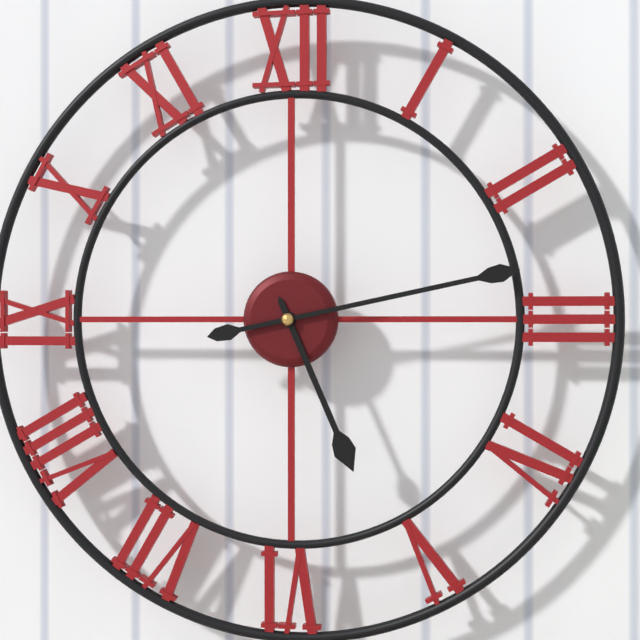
5:13
